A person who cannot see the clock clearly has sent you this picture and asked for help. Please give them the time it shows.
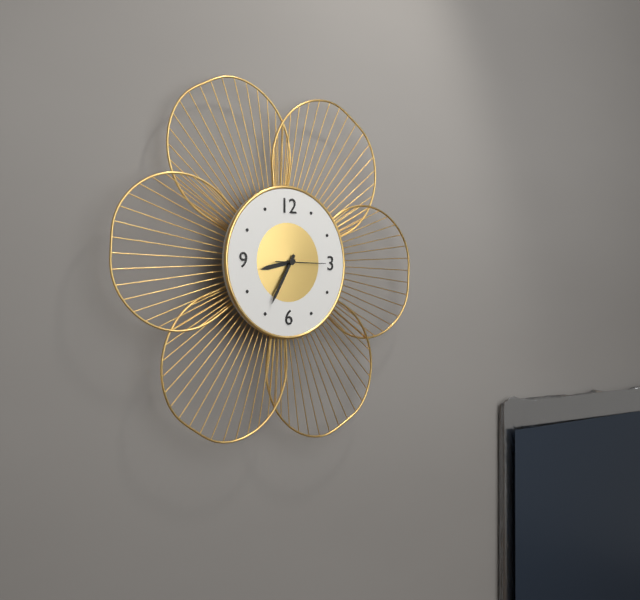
8:35
